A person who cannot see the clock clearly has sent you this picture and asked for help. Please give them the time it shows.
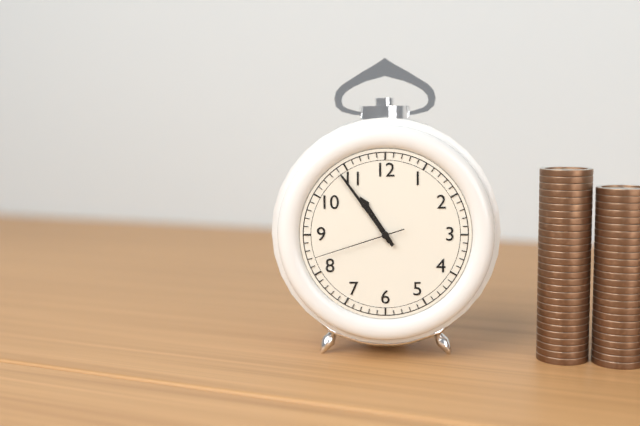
10:54:42
